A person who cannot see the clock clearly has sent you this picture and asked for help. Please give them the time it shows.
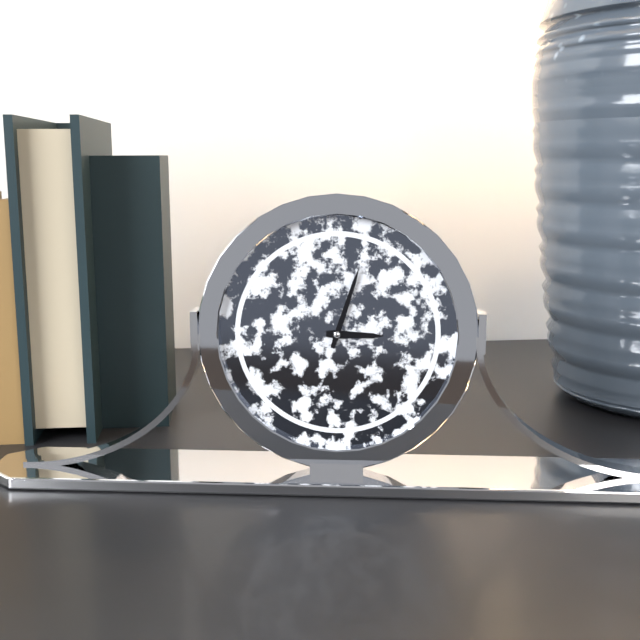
3:03
